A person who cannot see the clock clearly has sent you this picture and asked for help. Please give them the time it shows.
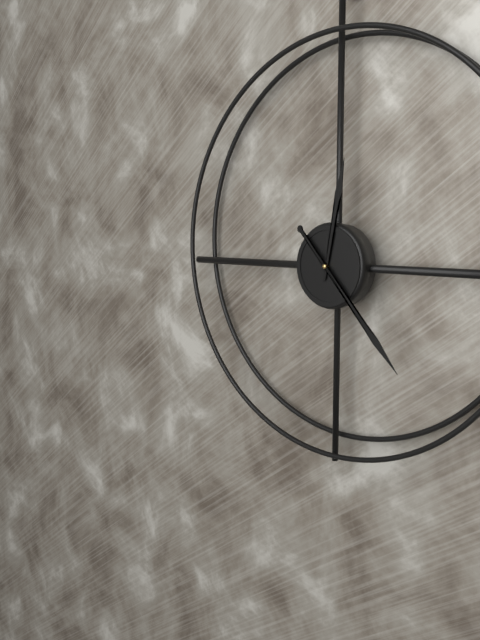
12:23
